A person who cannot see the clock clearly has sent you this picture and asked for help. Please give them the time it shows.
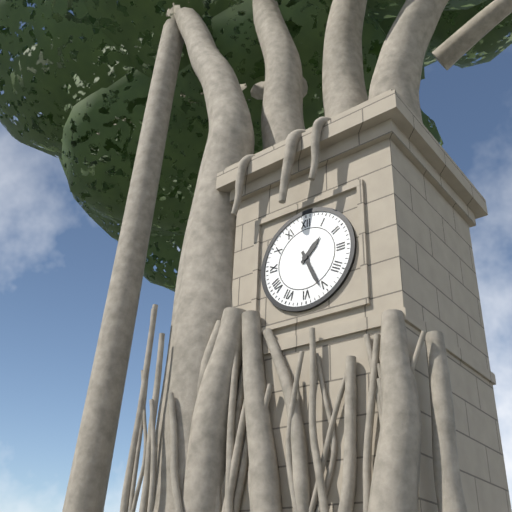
1:26
